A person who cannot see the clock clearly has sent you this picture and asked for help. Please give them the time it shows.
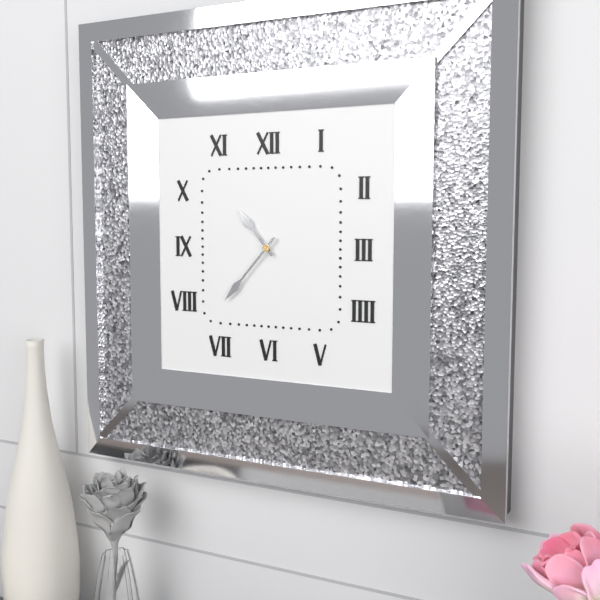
10:37
